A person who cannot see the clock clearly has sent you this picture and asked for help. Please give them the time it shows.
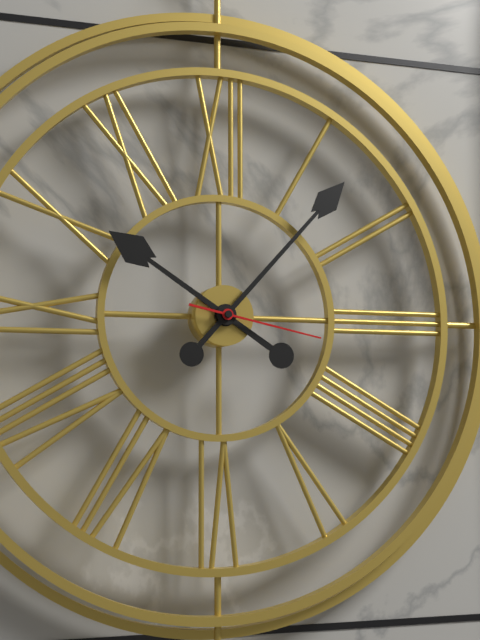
10:07:17
